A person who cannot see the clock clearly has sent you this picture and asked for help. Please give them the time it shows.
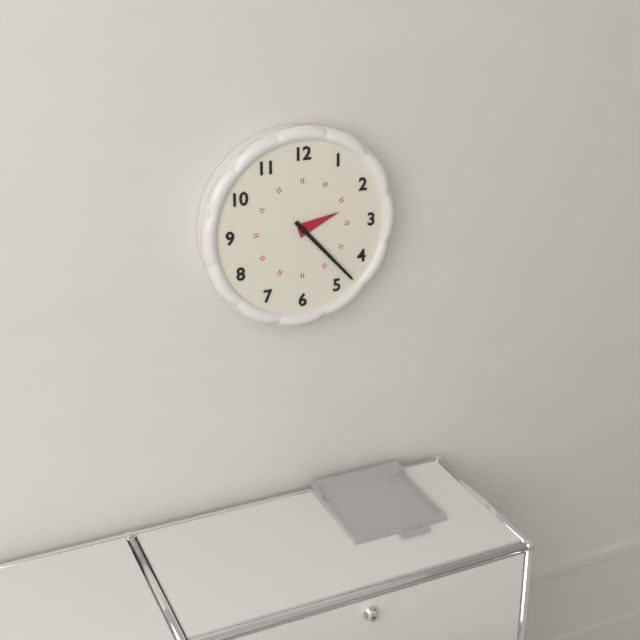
2:23
